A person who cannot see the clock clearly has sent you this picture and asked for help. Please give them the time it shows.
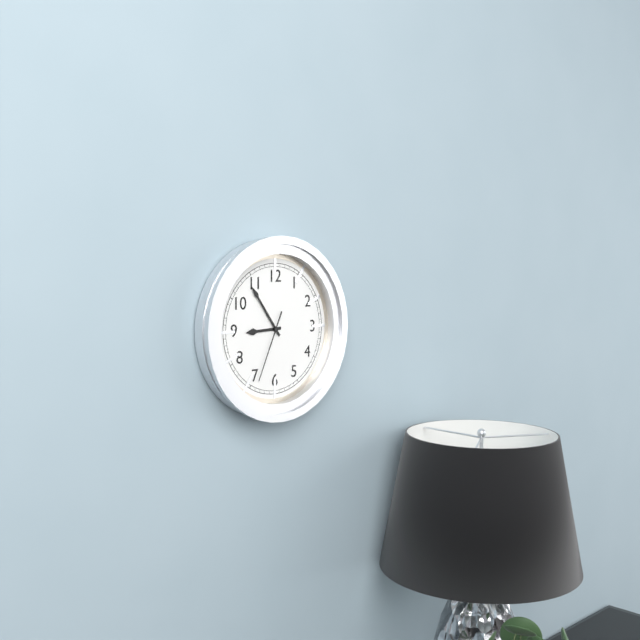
8:54:34
